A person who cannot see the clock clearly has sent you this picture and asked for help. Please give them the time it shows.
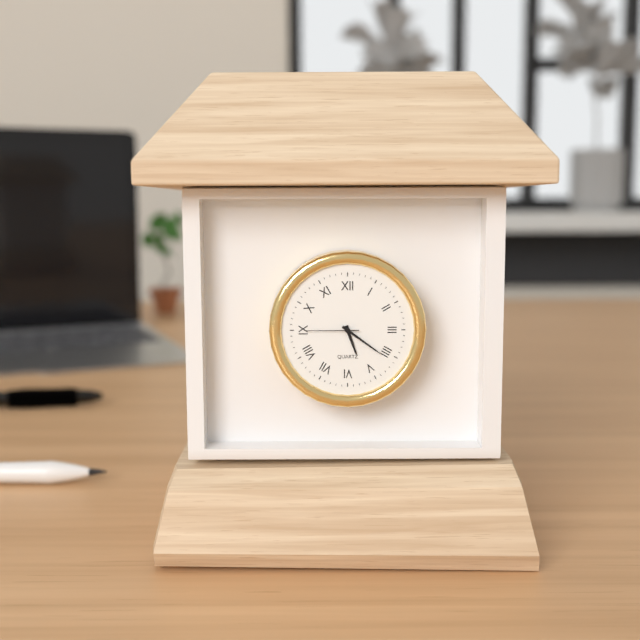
5:21:45
